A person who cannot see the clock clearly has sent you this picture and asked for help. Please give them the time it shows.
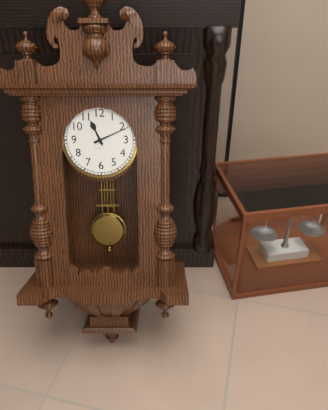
11:11
